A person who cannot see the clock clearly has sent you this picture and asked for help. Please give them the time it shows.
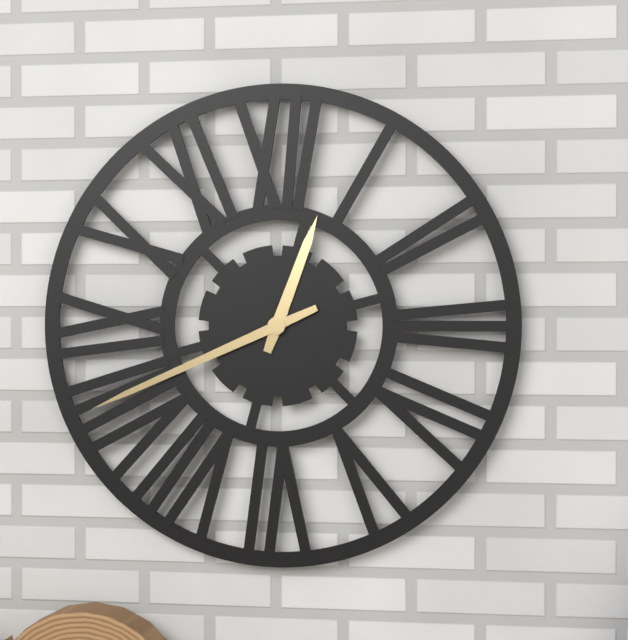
12:41
